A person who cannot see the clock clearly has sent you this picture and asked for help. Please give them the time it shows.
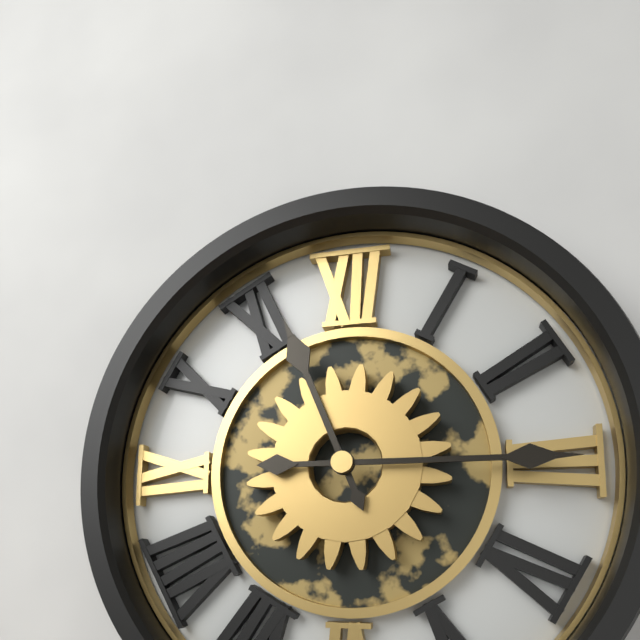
11:15
